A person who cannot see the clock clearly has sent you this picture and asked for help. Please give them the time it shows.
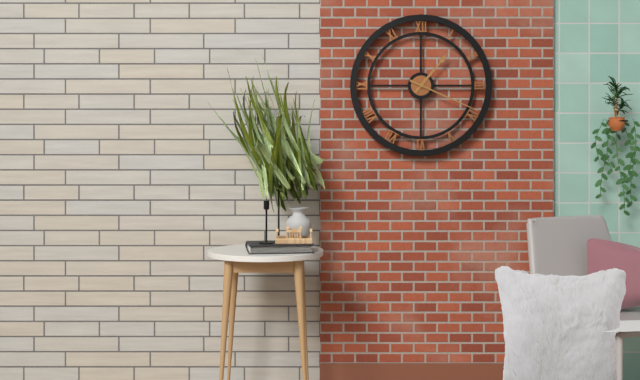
1:19
